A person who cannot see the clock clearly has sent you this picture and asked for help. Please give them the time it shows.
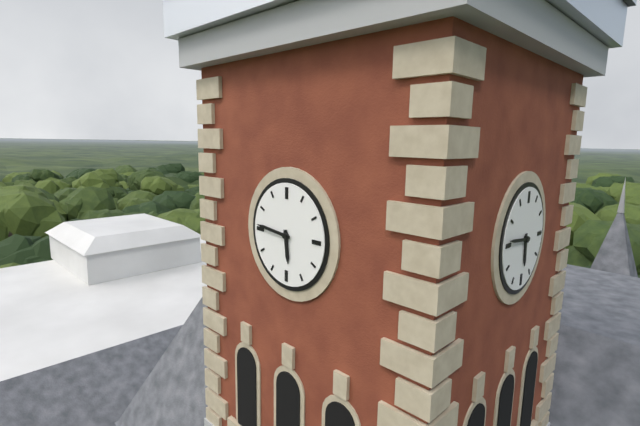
5:46
